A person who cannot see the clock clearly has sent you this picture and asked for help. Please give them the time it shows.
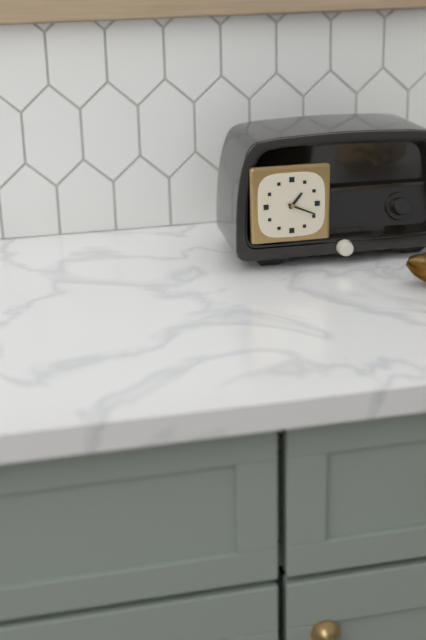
1:19
